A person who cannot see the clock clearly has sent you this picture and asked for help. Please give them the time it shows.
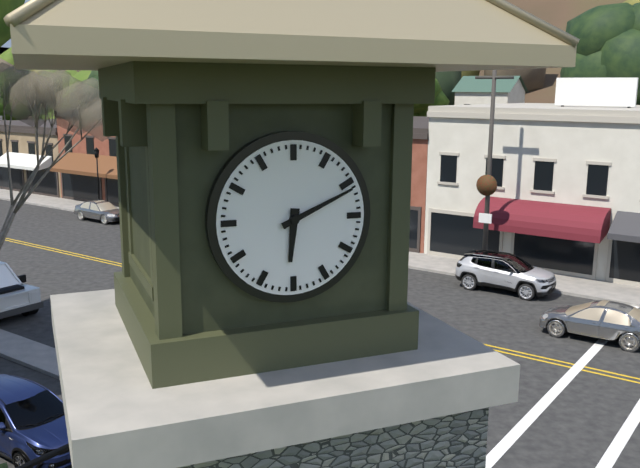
6:11
